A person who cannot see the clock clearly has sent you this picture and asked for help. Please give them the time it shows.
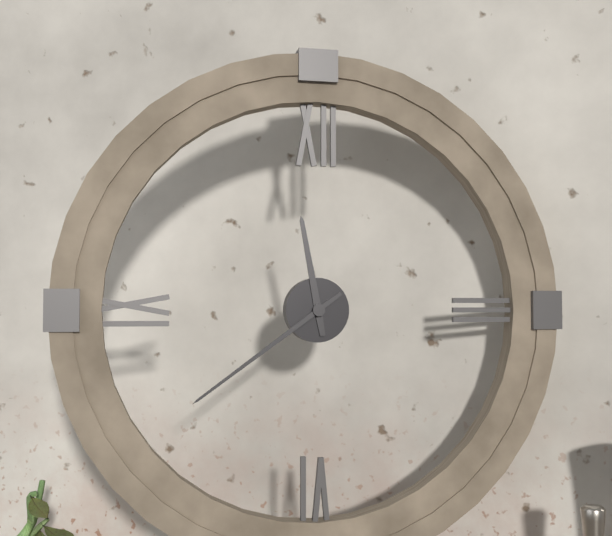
11:39
